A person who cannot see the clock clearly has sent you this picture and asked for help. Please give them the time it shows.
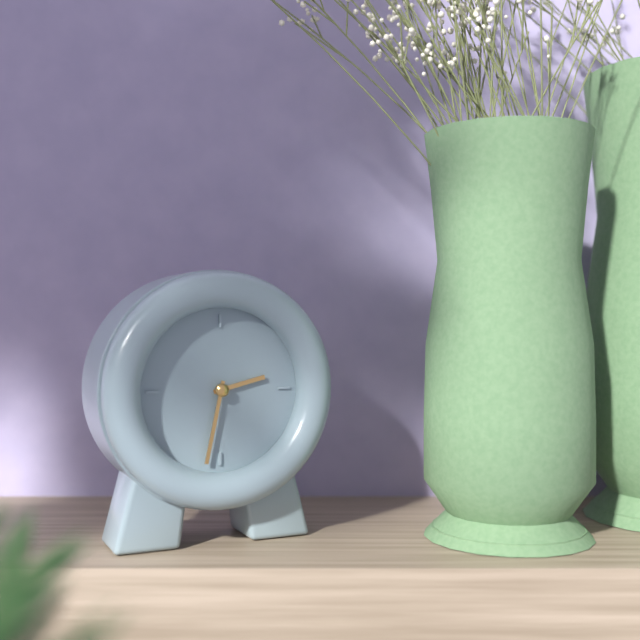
2:32
